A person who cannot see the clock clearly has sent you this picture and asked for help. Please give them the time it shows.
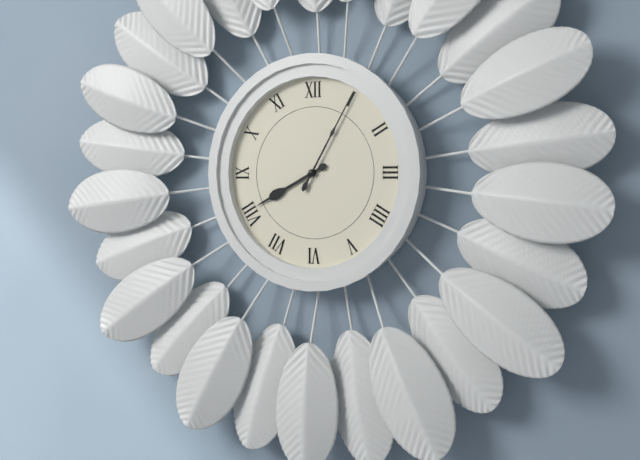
8:05
